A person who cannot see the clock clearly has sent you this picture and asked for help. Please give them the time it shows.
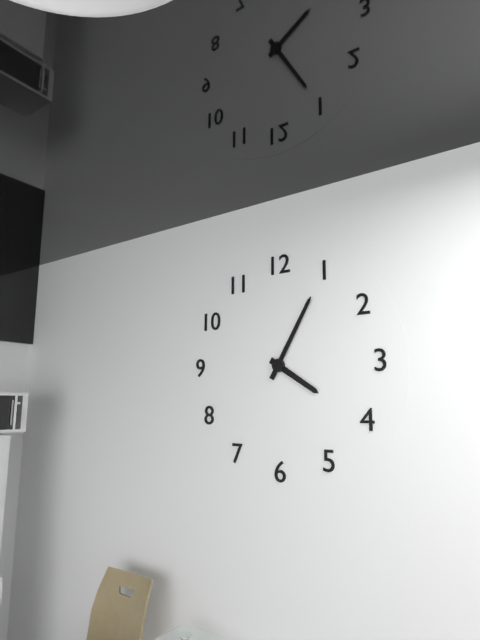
4:05
